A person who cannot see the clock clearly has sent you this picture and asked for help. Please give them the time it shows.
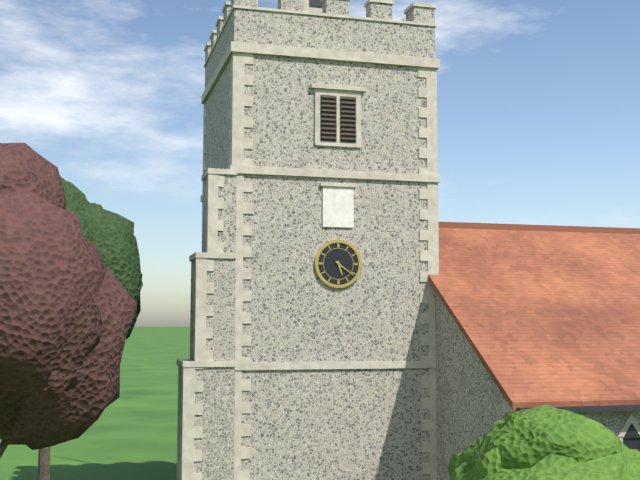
5:21
